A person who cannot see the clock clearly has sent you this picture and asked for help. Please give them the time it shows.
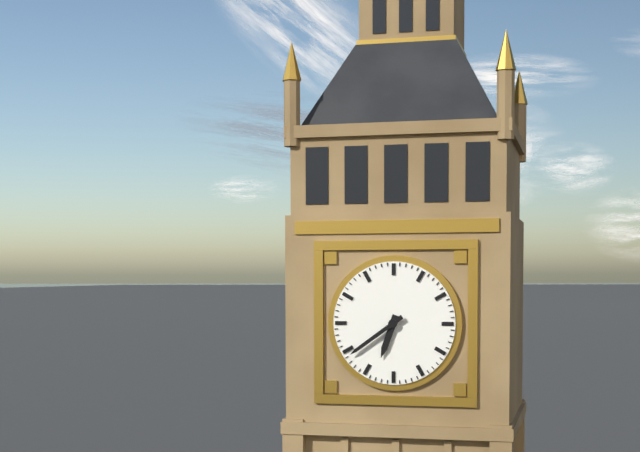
6:39
